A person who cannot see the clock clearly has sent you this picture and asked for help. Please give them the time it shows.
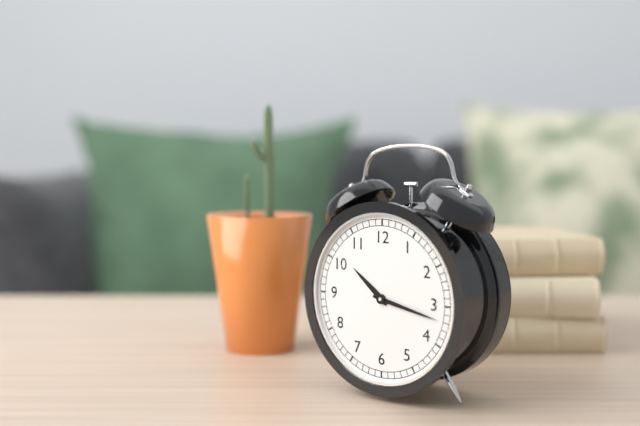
10:17
